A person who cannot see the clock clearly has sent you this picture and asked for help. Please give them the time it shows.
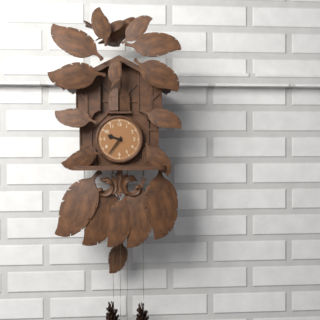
9:36
